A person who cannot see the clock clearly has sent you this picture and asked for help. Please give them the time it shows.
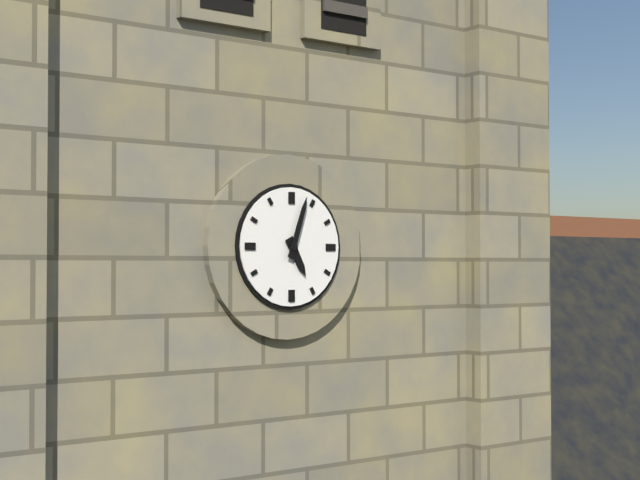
5:03
